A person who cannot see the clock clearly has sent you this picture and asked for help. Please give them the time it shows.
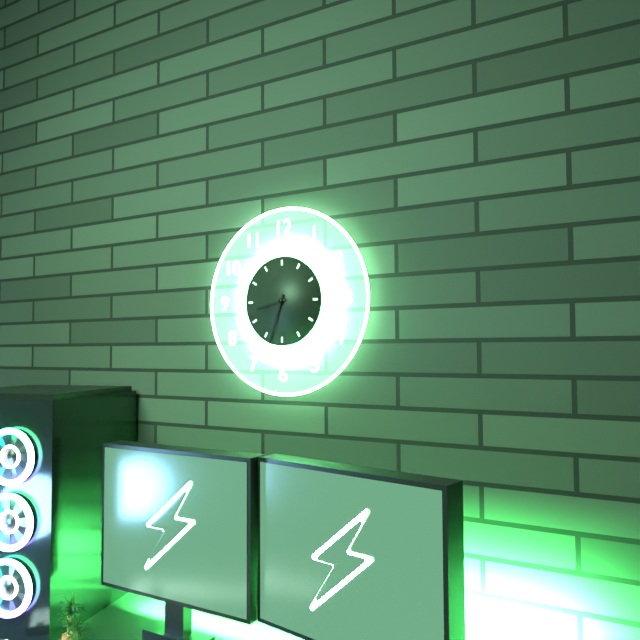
8:33
